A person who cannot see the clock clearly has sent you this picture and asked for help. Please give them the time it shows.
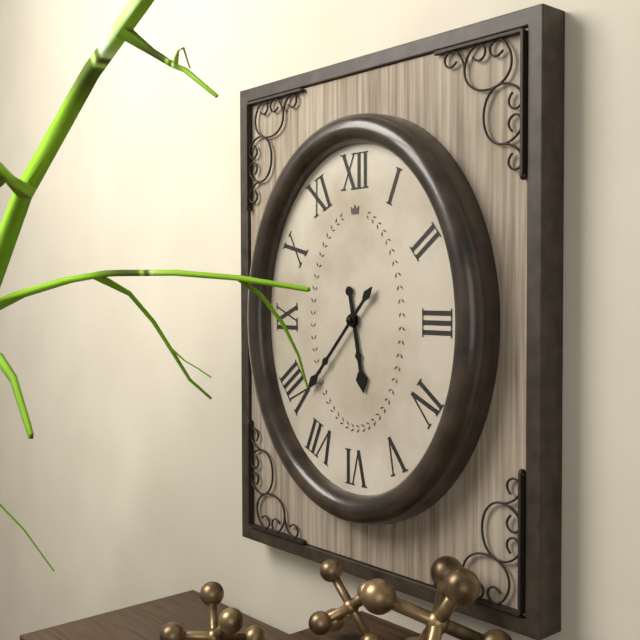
5:37
